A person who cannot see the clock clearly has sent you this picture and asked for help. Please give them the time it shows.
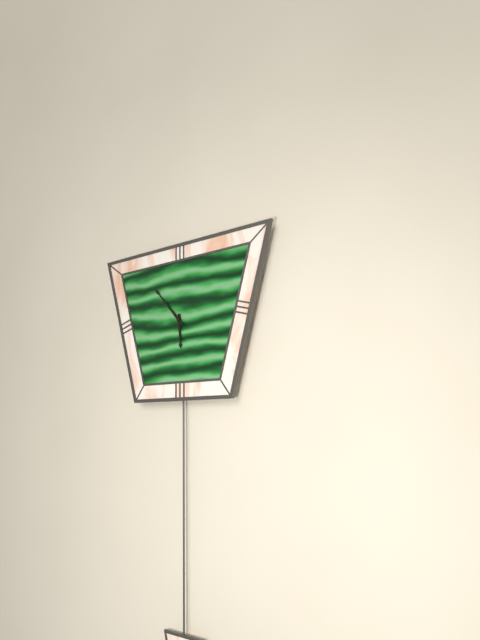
5:53
